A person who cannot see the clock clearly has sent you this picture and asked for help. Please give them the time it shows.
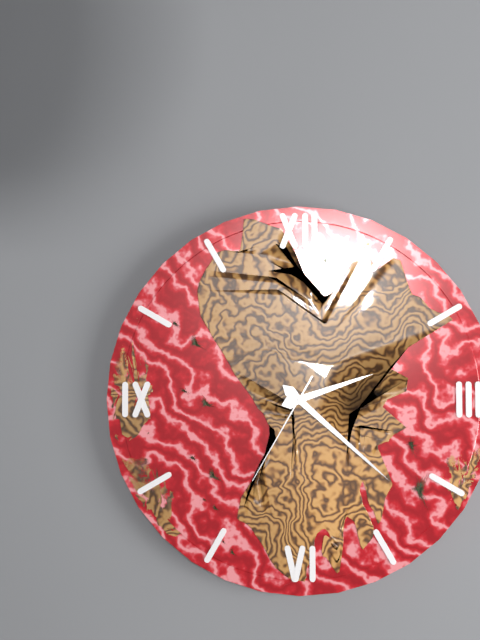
2:22:35
